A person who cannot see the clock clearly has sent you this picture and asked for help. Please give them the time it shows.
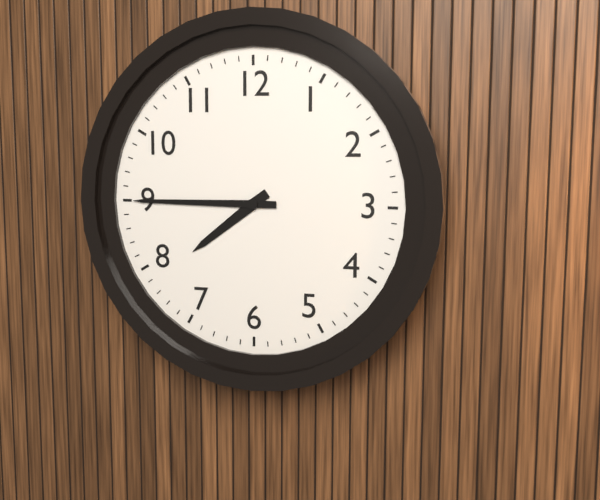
7:45
